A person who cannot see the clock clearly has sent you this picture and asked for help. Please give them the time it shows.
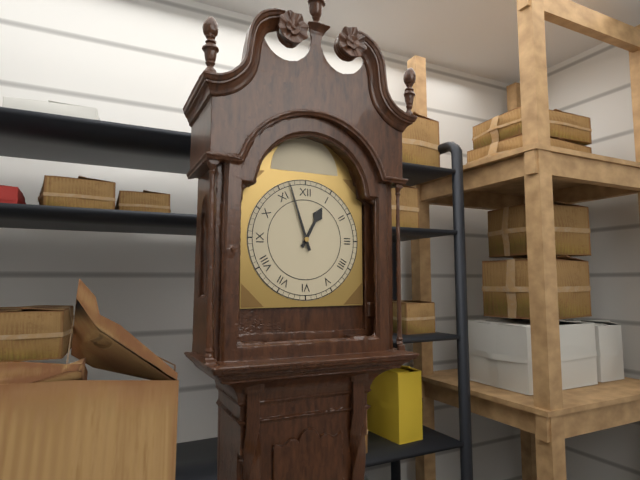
12:57
